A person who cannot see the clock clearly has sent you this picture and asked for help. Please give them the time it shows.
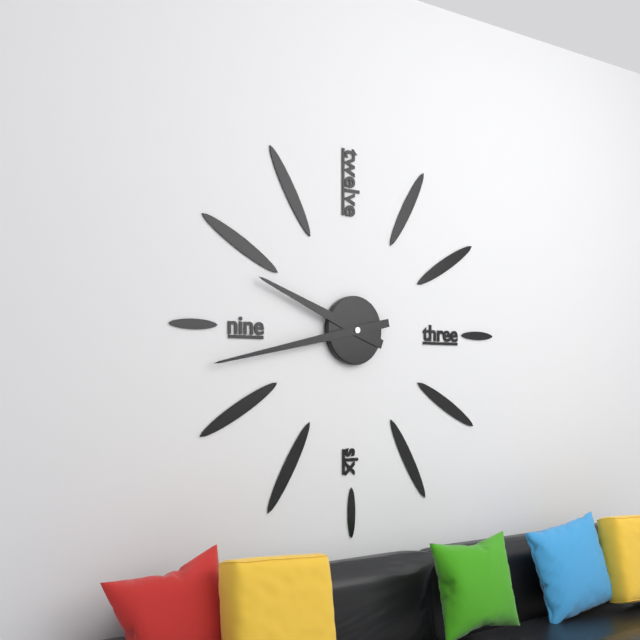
9:43
